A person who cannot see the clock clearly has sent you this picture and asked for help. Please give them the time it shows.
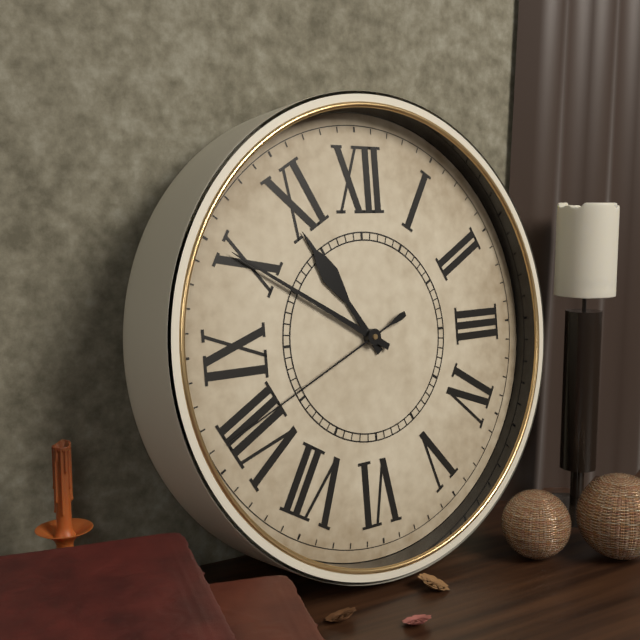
10:50:41
